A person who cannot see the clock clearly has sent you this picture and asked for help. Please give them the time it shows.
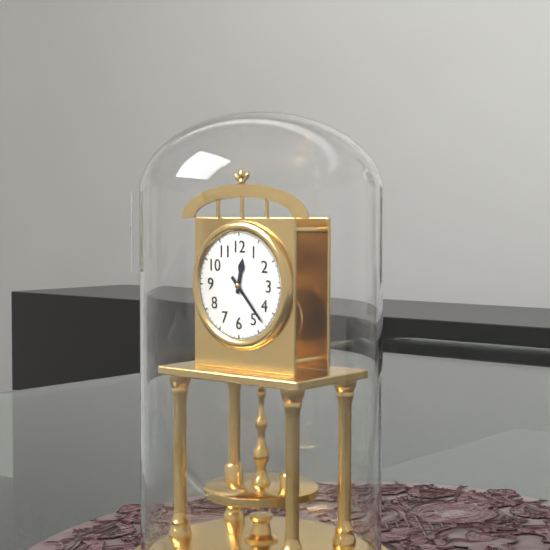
12:23
